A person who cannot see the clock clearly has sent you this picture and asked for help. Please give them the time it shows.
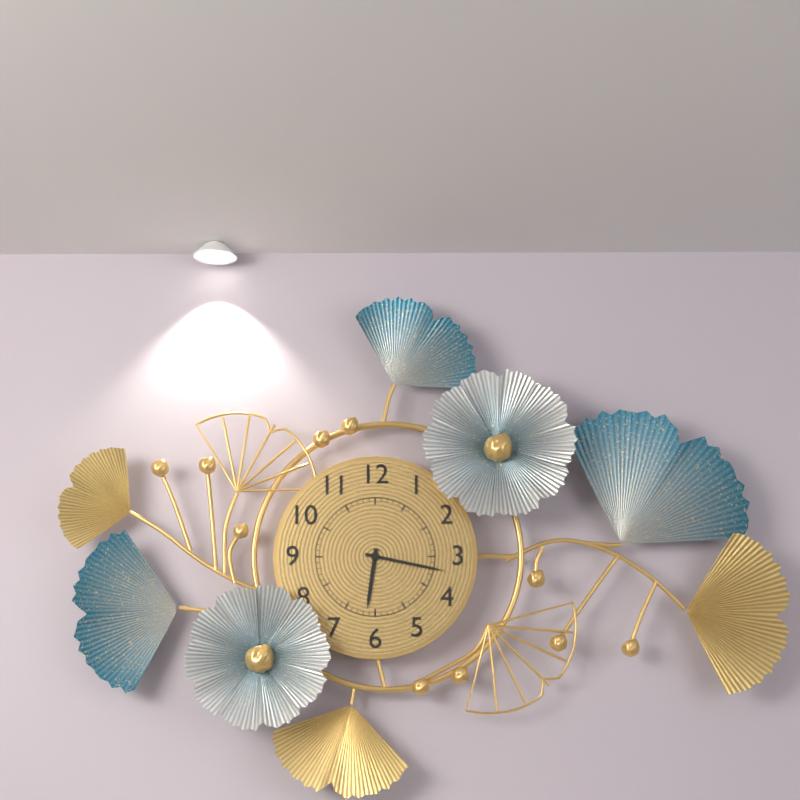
6:17
